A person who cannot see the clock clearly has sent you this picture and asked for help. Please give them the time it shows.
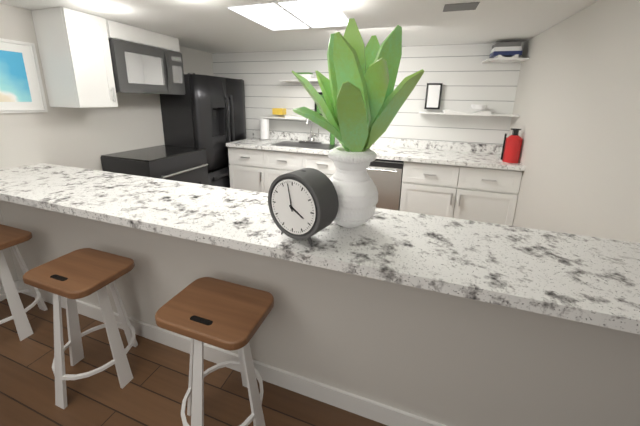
3:58
